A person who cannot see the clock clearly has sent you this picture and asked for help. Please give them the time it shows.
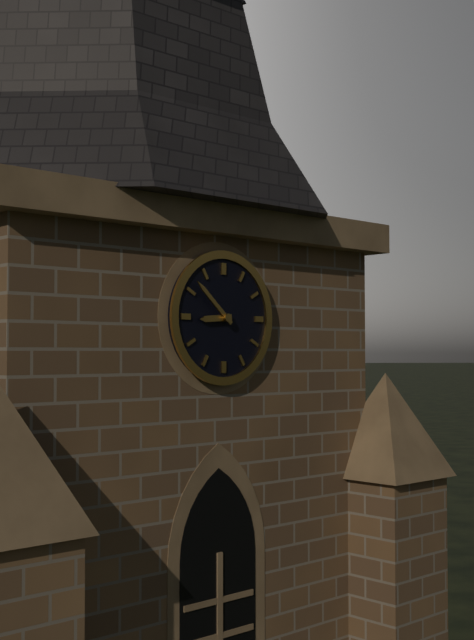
8:52
